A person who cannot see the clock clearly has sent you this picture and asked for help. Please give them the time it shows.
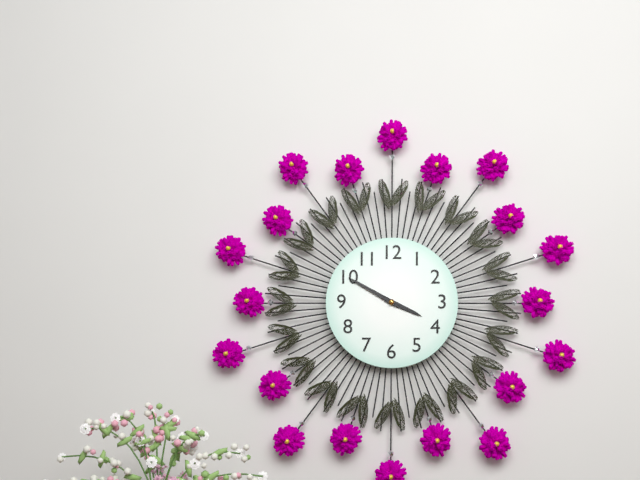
3:50
